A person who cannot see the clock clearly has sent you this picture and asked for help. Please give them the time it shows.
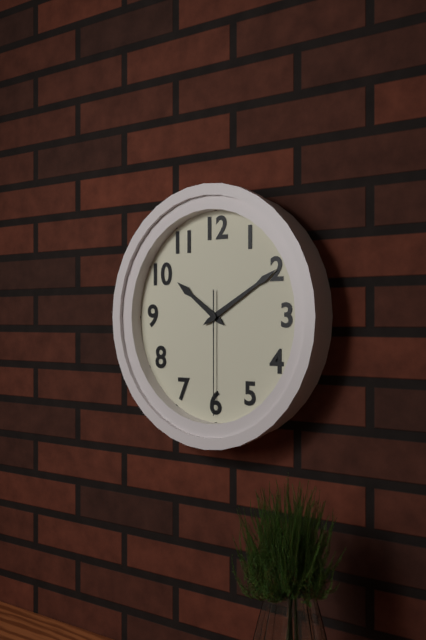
10:10:30
